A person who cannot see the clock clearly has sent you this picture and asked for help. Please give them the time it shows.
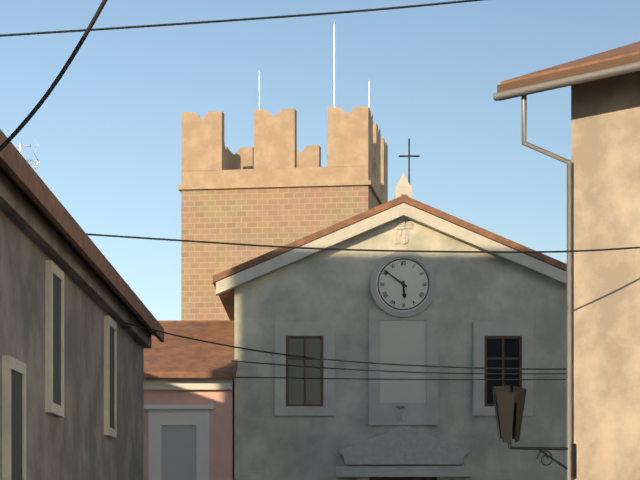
5:51
